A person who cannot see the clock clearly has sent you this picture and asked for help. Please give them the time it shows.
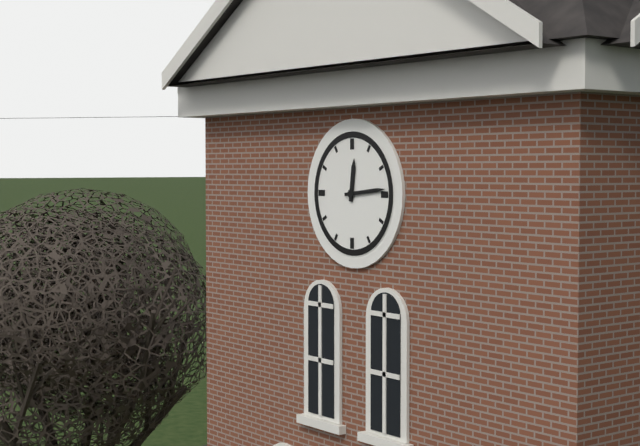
12:14
